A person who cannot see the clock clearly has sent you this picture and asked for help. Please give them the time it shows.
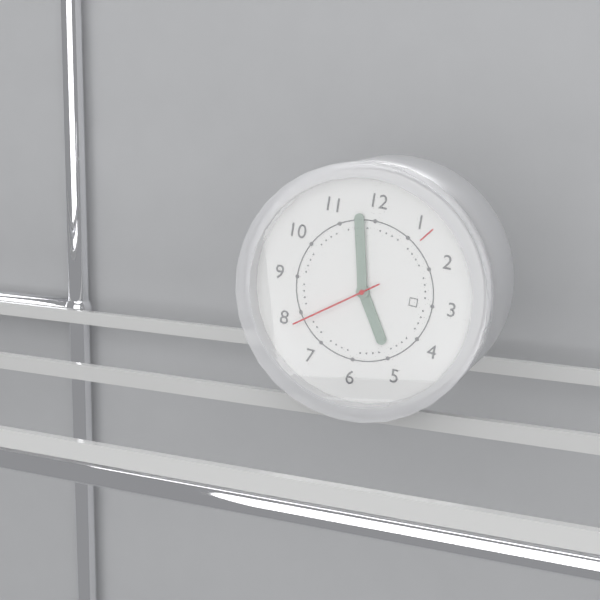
4:58:39
